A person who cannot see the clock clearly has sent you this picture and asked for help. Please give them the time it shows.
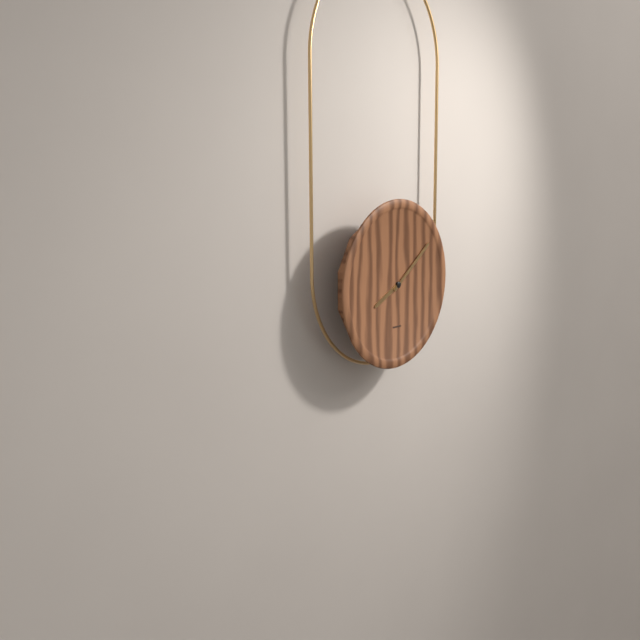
8:09
